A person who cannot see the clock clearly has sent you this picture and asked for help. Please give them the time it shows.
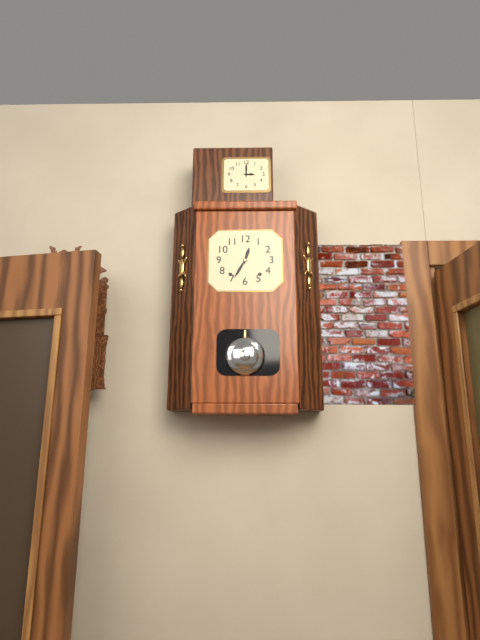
12:35
